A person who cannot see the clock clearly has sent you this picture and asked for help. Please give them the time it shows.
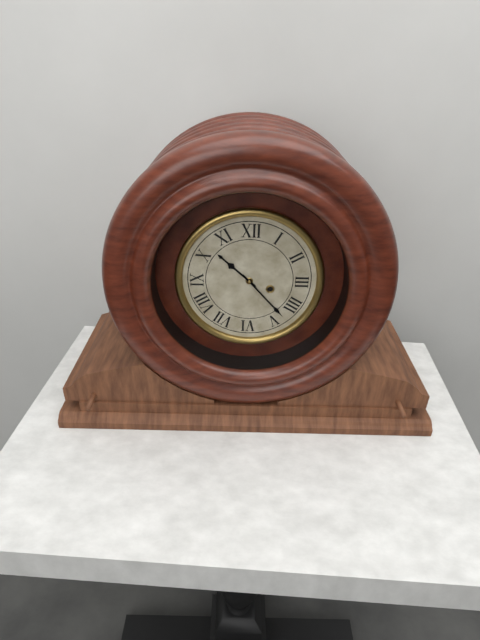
10:23
